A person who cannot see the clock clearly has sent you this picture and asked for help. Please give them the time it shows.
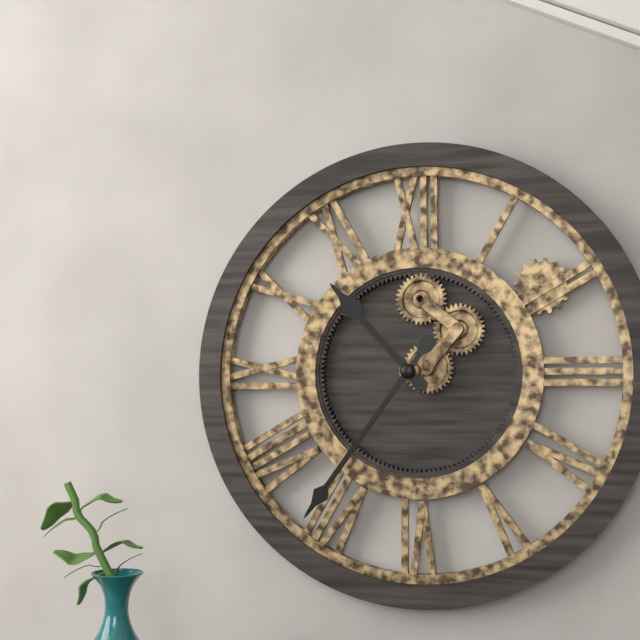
10:36
